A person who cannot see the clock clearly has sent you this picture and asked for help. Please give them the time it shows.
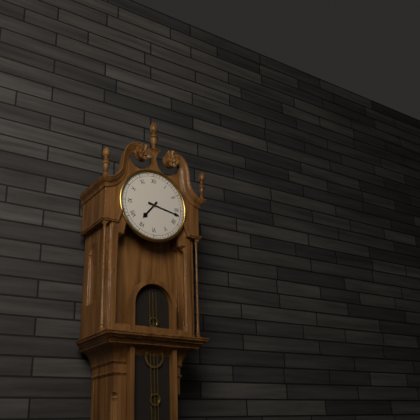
7:17
